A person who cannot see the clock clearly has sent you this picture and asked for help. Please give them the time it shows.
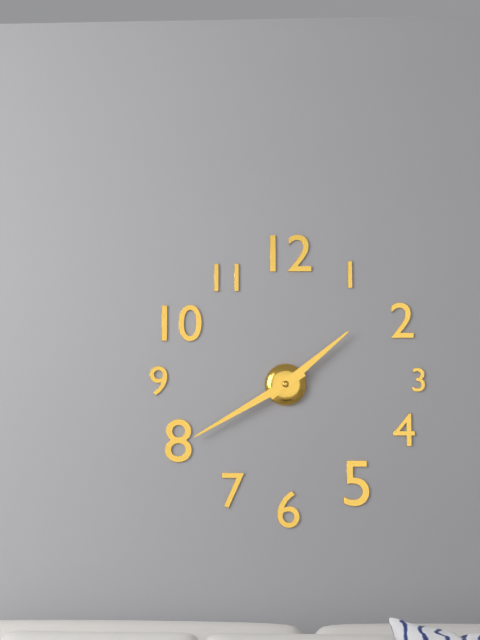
1:40
